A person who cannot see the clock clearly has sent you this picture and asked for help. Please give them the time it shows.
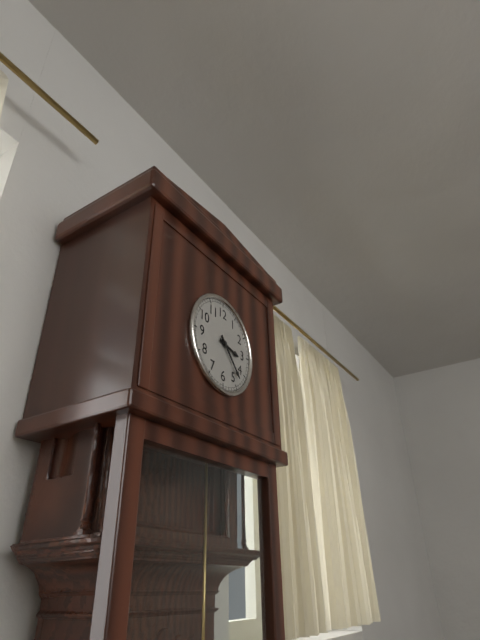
3:23
